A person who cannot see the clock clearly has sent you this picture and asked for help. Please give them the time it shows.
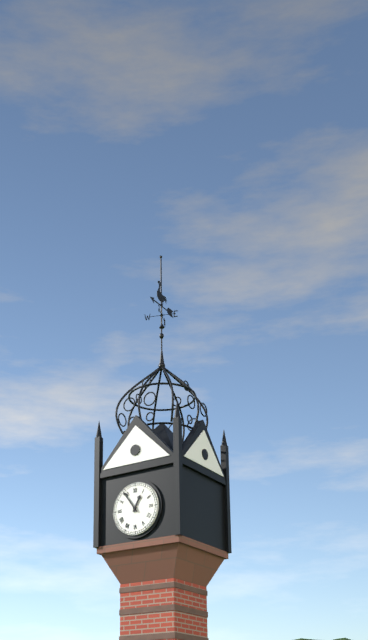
12:54
